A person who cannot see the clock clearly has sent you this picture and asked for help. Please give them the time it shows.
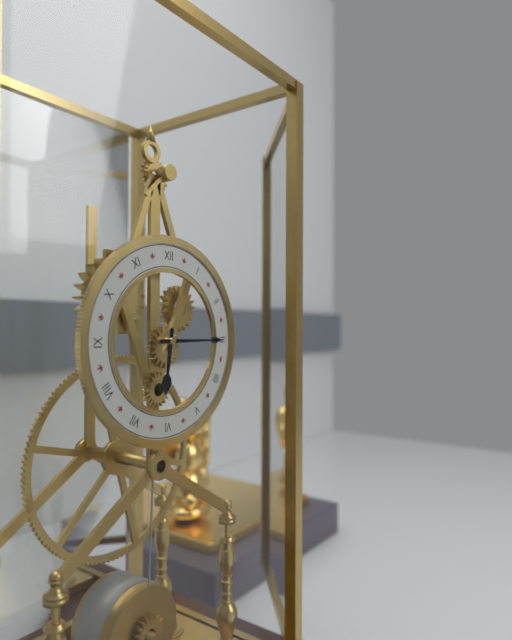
6:15
